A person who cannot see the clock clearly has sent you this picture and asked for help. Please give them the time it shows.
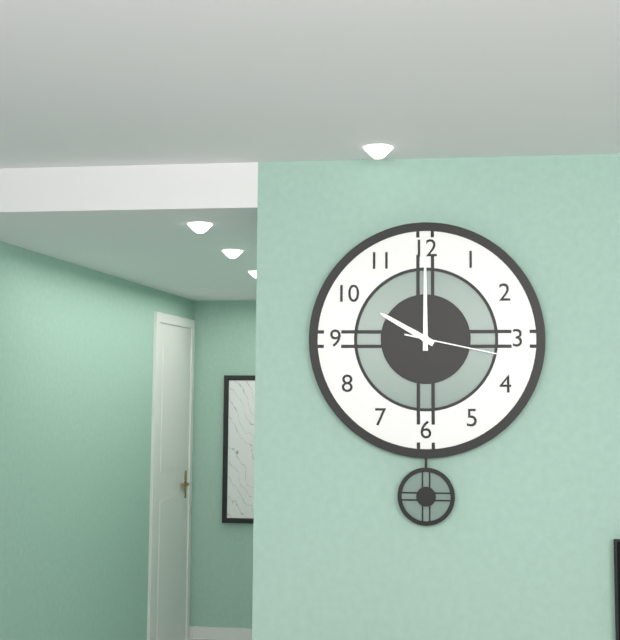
10:00:17
